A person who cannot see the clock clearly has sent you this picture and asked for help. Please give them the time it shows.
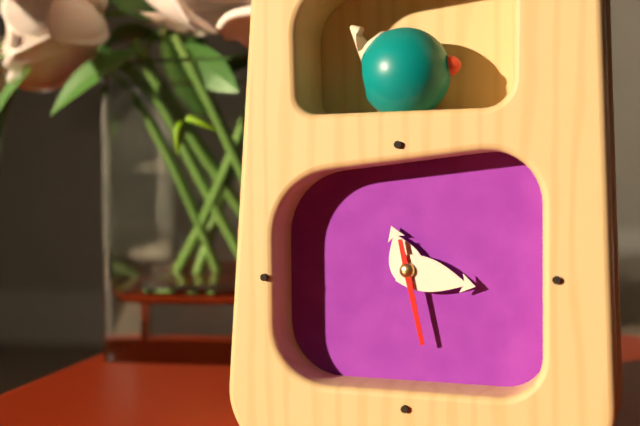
11:17:28
